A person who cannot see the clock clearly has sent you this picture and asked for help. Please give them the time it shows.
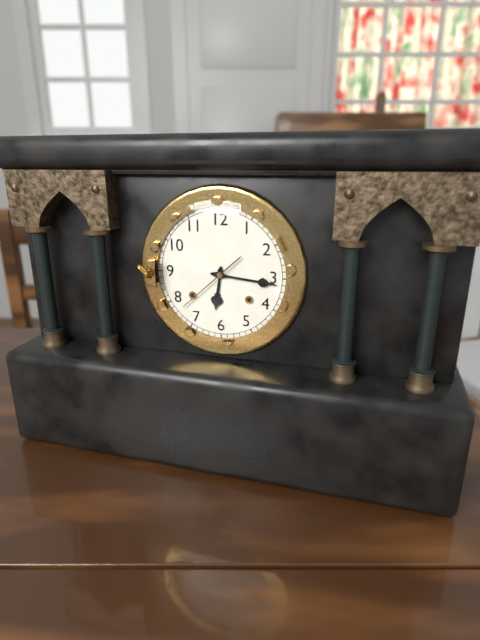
6:16:38
